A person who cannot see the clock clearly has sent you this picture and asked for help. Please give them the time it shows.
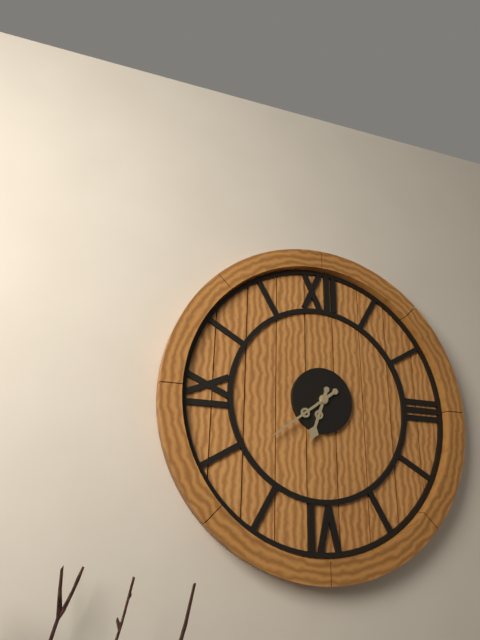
6:39
